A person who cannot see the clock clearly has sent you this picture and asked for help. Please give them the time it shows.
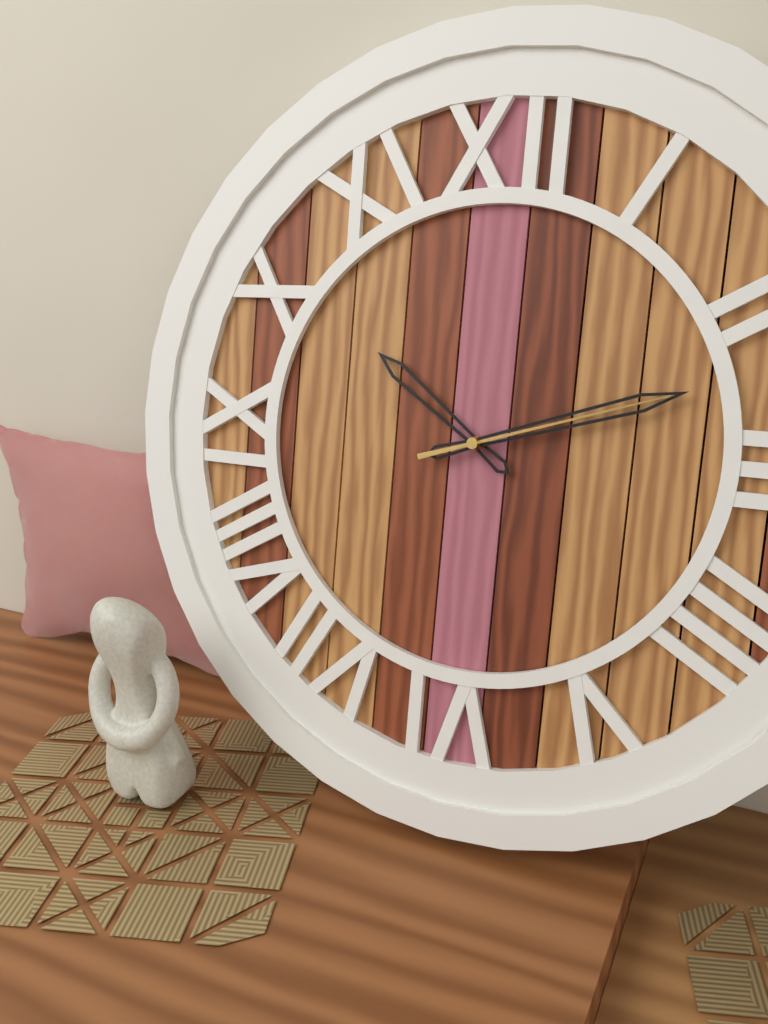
10:12:12
